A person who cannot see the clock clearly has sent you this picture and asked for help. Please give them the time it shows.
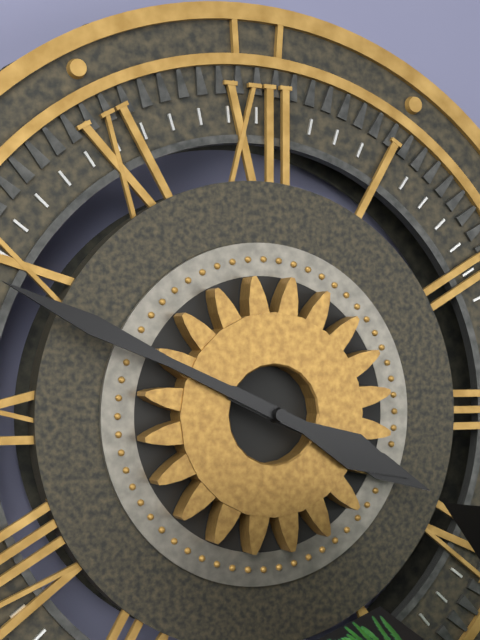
3:49
